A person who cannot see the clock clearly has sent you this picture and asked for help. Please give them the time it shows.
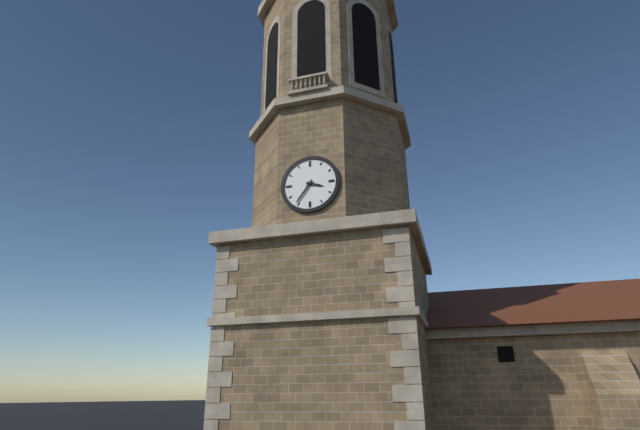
3:36
